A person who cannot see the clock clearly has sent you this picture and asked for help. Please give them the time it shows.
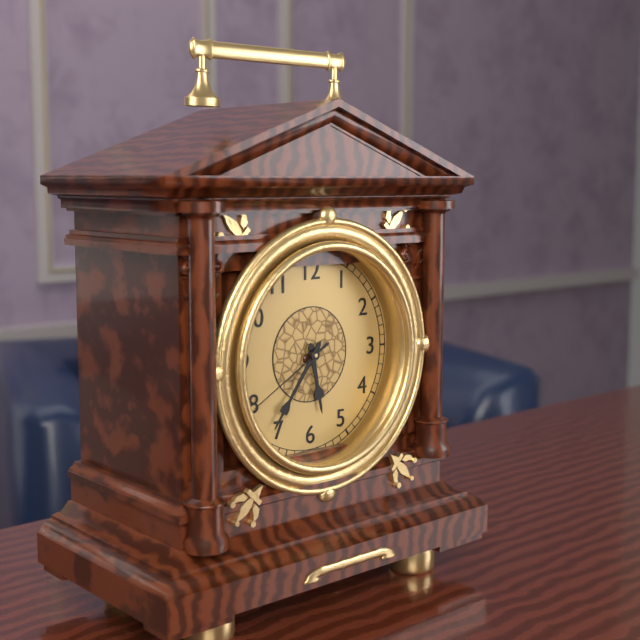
5:36:40
